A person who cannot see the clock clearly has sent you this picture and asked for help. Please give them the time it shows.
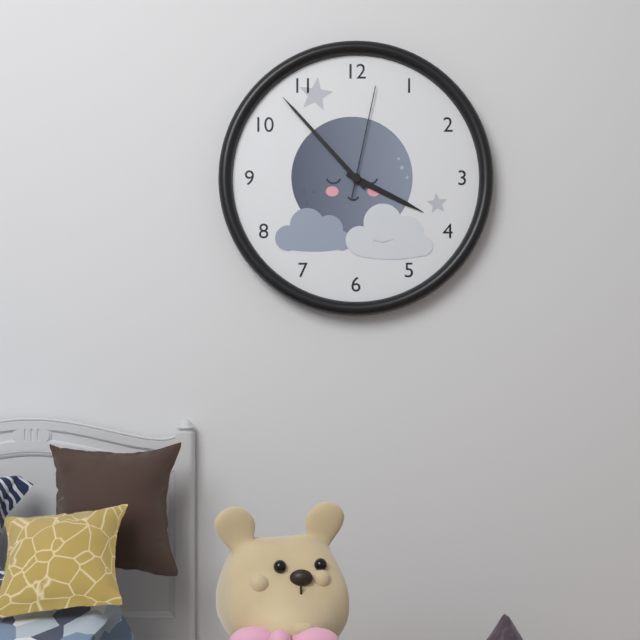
3:53:02
